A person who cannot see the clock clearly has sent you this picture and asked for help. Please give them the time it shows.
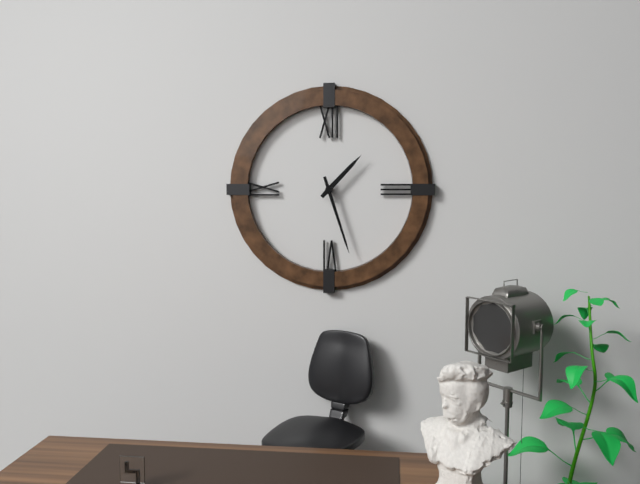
1:27
